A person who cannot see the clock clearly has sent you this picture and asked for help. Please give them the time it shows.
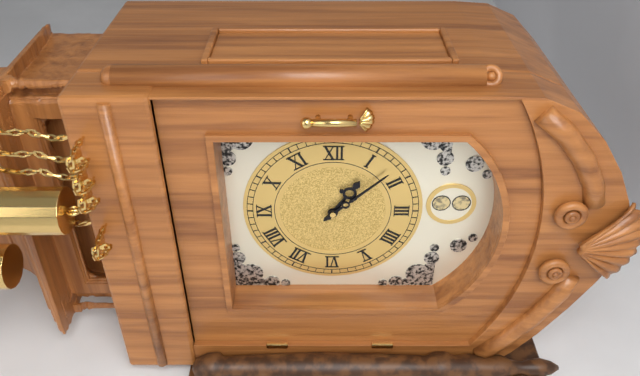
1:08
